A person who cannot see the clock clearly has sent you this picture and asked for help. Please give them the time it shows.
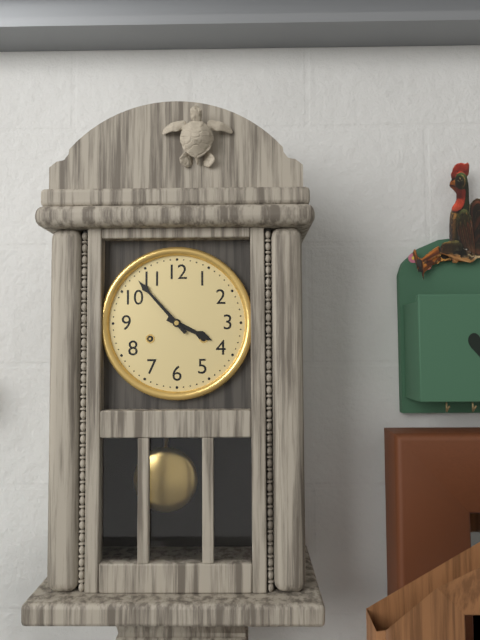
3:53
